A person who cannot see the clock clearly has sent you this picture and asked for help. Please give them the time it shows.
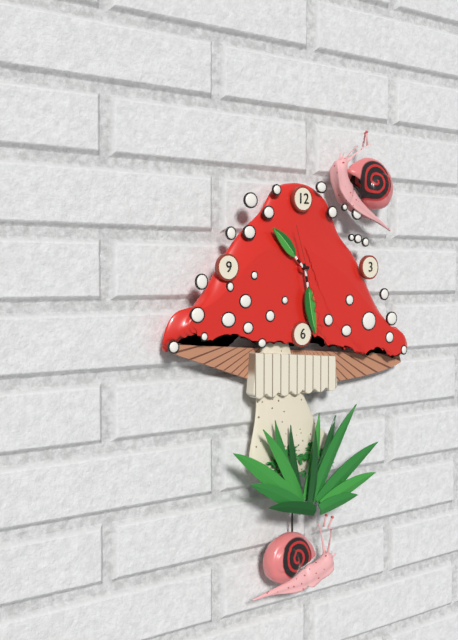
10:28:27
